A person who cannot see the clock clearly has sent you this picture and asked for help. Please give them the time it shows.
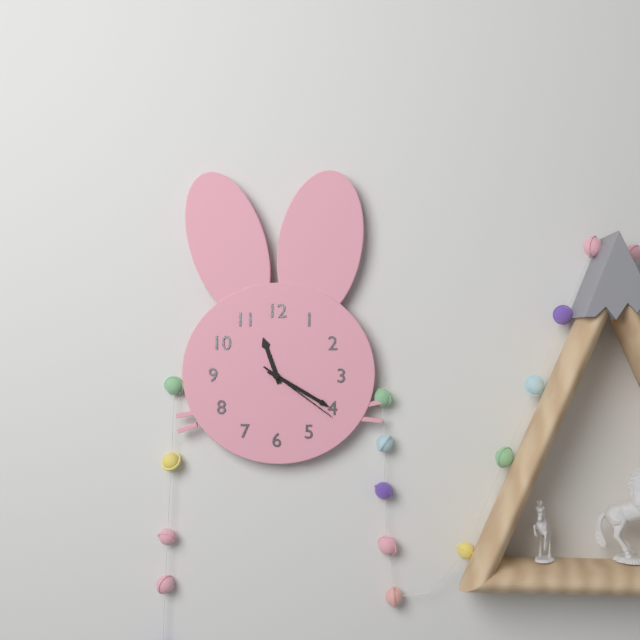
11:20:21
